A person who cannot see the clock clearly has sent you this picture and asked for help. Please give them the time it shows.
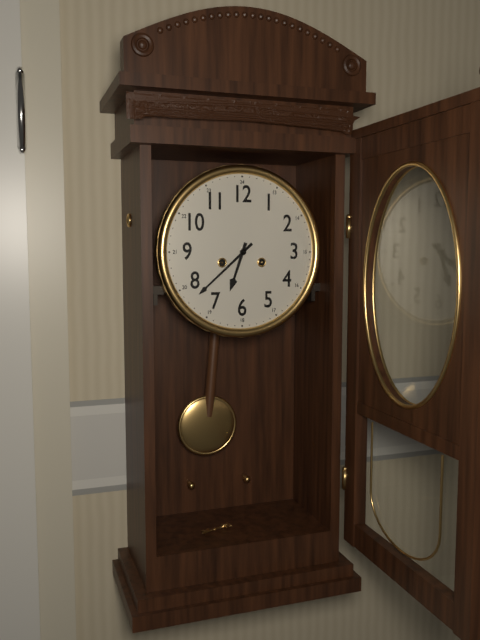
6:38
